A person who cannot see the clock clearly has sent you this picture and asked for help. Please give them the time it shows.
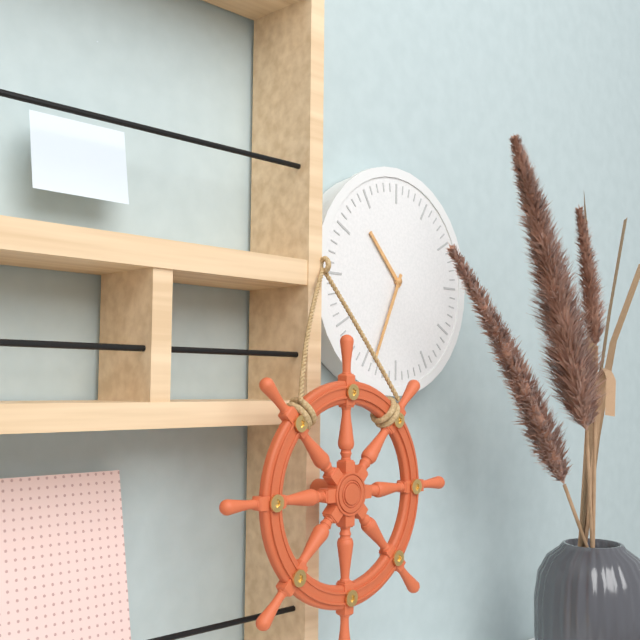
10:34
